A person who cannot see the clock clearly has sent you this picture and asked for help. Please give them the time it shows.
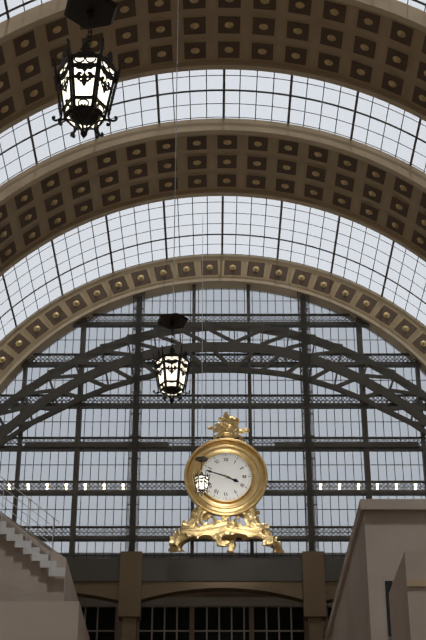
3:48
